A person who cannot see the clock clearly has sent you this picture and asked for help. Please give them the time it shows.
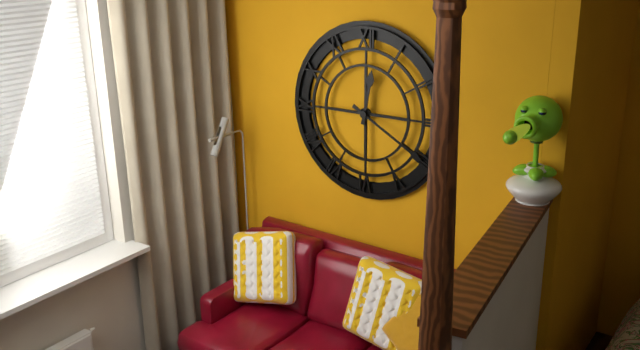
12:20
